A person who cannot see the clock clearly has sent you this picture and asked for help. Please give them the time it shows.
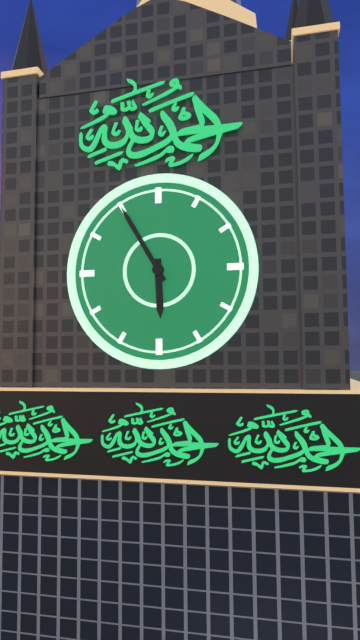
5:55
